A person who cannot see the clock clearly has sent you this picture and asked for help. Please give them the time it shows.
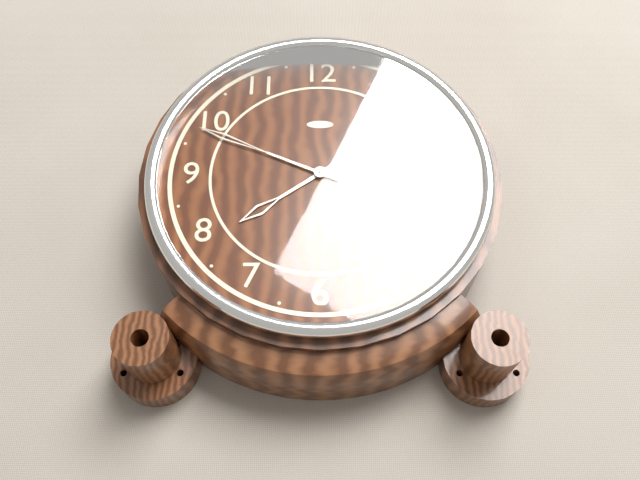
7:49
